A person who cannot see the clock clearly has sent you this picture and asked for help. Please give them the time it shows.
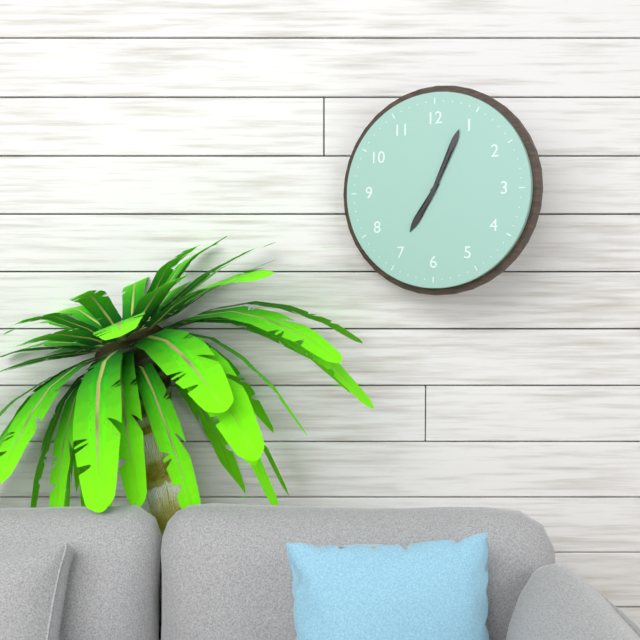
7:04
